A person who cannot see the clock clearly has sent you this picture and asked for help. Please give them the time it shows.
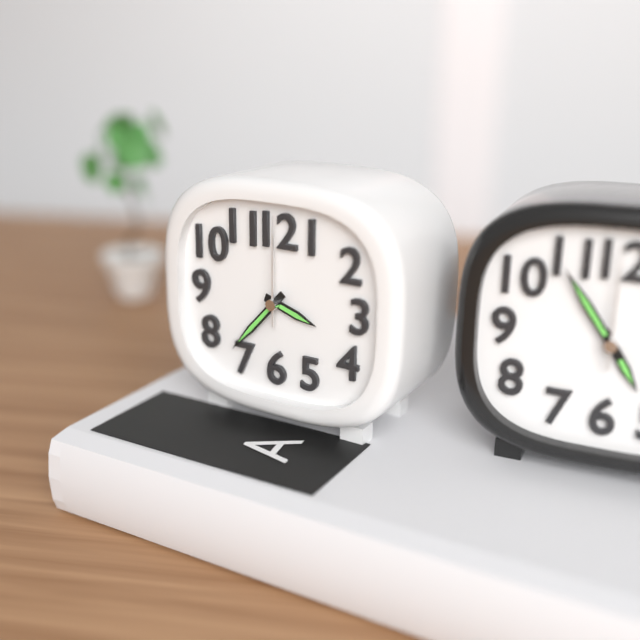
3:37:00
